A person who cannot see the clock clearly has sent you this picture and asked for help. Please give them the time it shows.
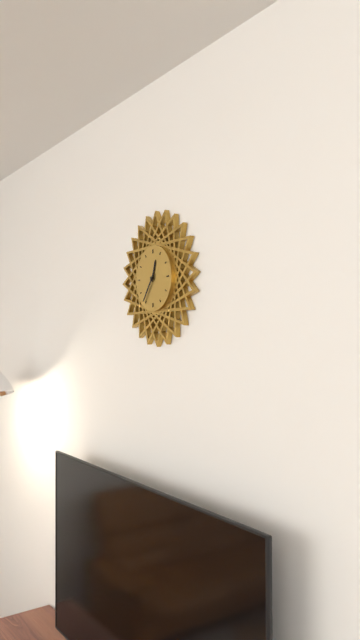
12:36
